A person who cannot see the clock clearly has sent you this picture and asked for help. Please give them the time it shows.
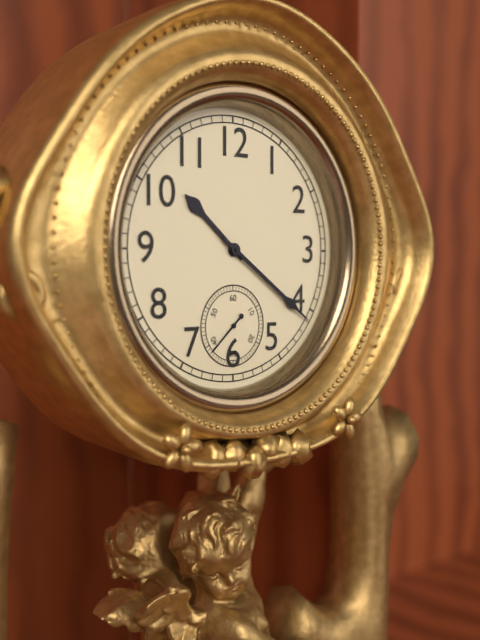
10:21
